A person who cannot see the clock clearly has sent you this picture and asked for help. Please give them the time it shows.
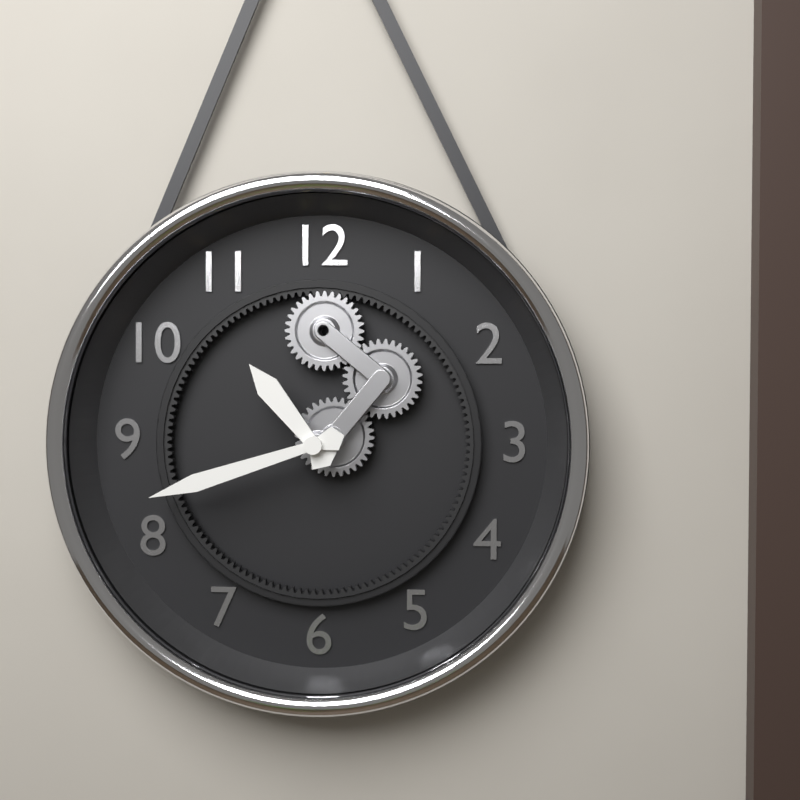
10:42
